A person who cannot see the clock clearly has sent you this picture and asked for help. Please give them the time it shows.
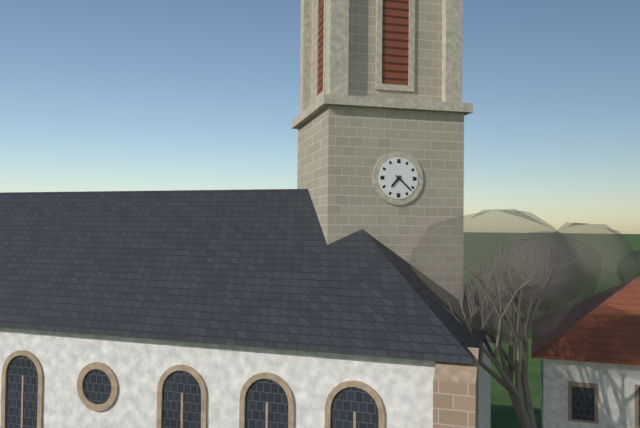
7:22
